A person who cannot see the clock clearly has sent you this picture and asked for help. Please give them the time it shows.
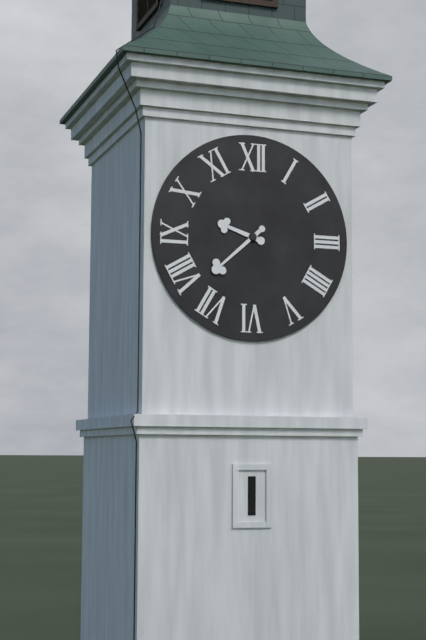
9:38
